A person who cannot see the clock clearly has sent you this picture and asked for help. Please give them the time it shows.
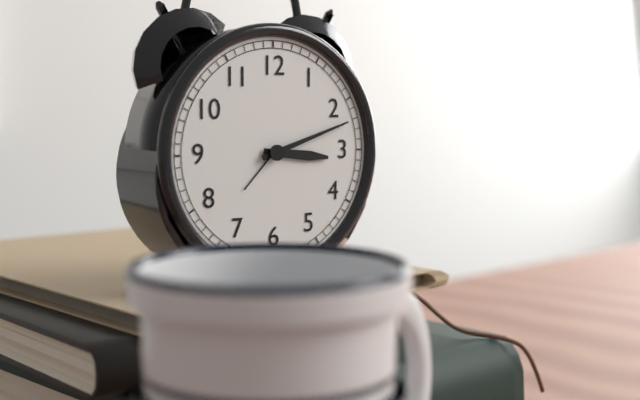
3:12
